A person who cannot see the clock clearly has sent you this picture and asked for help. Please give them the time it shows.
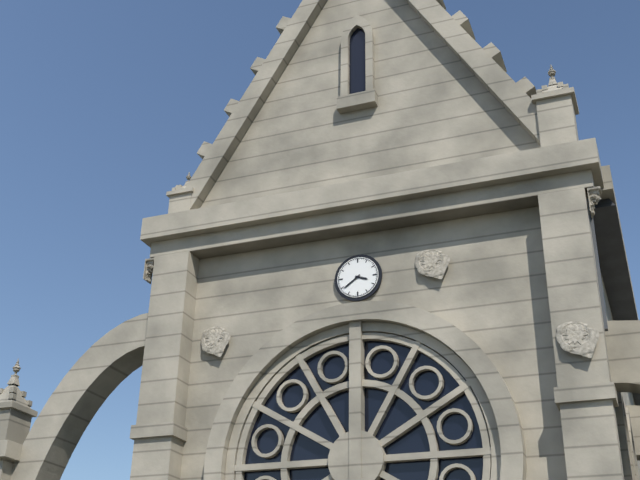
3:39
